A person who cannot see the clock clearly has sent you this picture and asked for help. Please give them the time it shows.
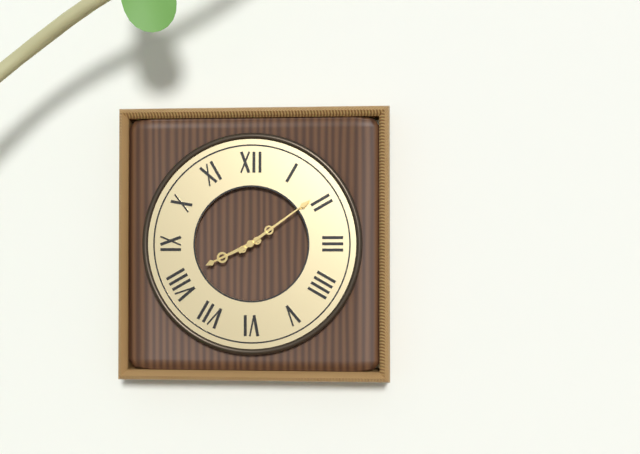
8:09
